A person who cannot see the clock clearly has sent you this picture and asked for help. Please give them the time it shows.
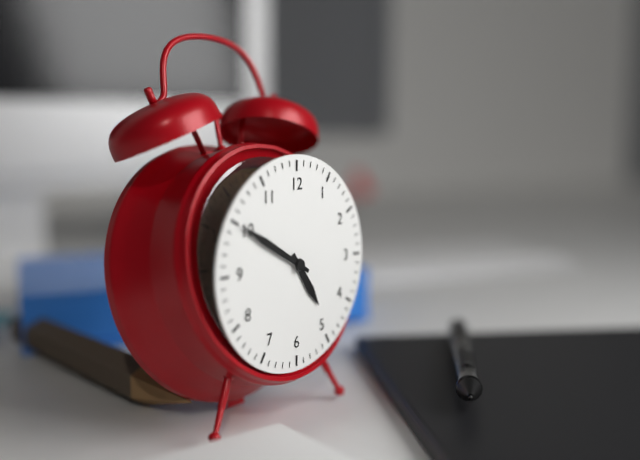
4:50
